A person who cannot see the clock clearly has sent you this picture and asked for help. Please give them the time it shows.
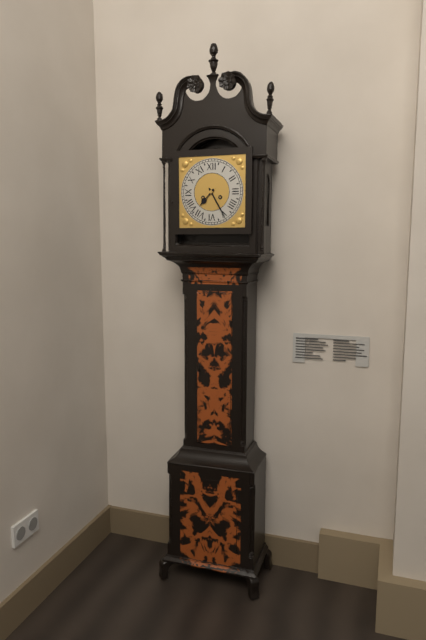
7:25
